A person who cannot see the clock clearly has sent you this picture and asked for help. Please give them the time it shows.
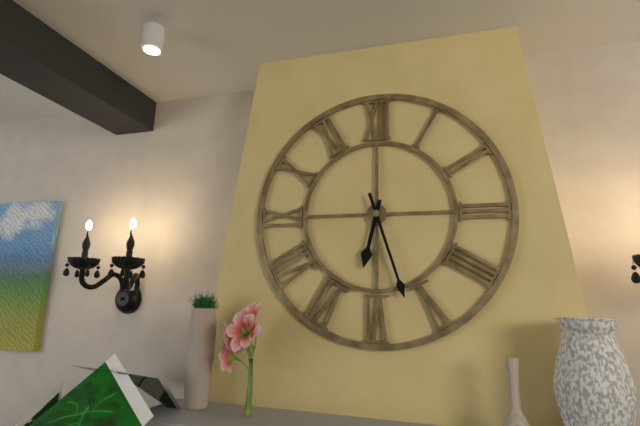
6:27
